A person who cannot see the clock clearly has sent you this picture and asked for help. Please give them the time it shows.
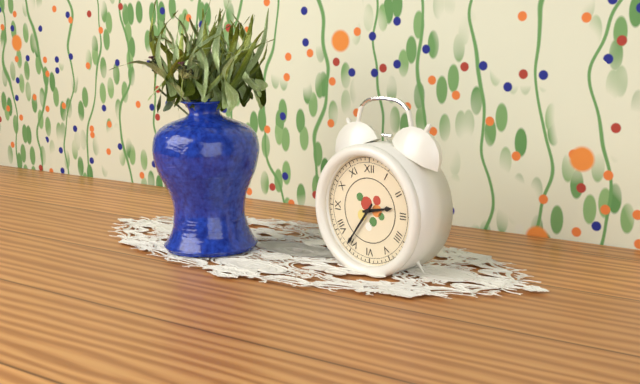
2:36
